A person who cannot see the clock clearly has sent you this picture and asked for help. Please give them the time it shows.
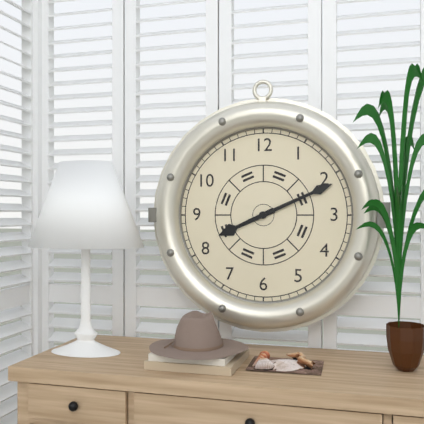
8:11
